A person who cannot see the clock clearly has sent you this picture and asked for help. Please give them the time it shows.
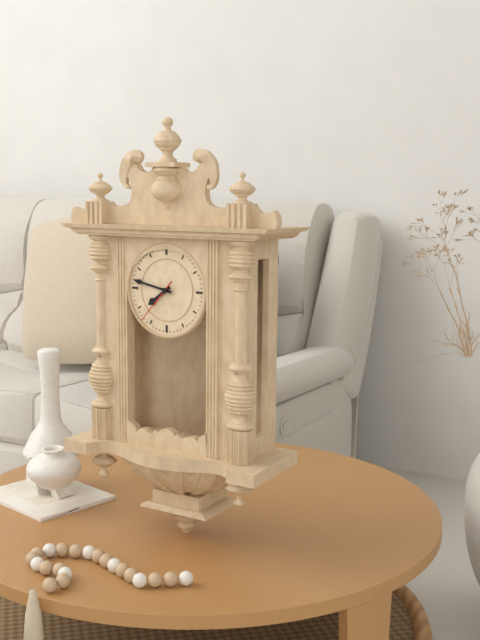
7:47
